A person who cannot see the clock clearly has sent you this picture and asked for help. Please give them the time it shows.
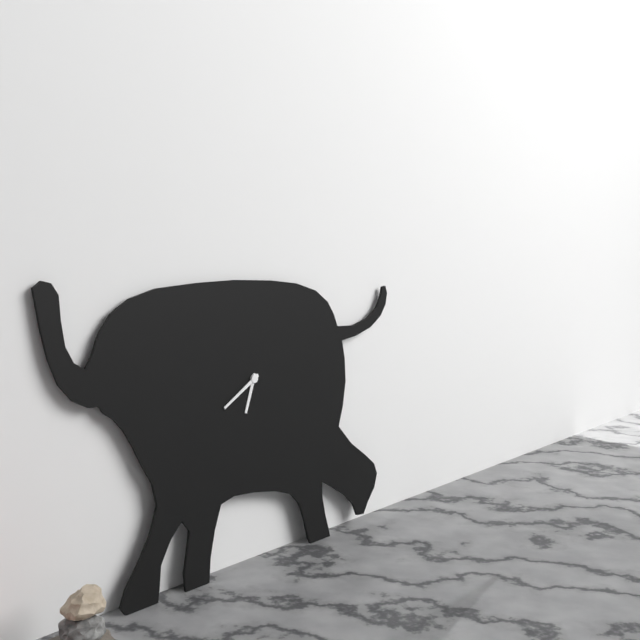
6:40
